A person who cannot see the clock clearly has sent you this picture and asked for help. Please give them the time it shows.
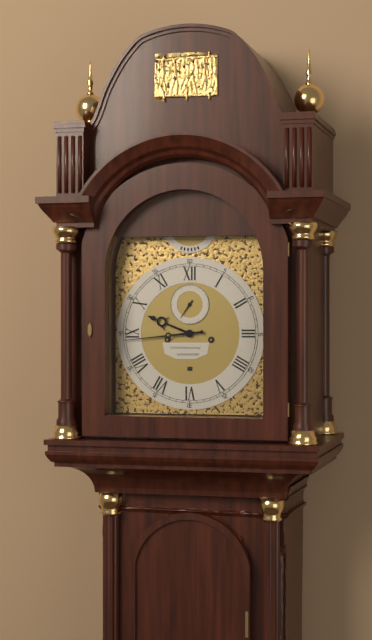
9:44
